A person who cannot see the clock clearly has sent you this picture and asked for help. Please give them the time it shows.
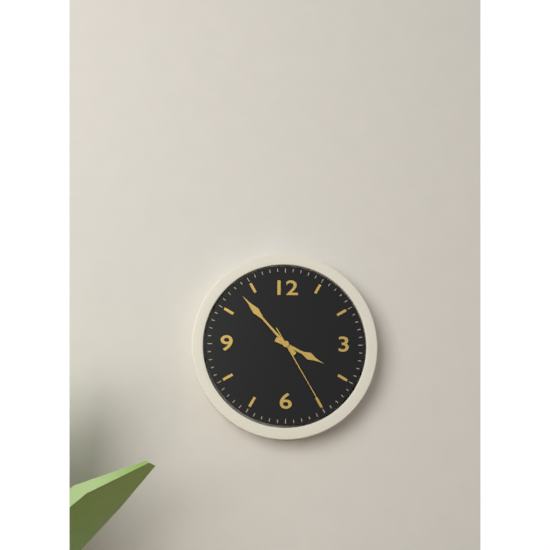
3:53:25
